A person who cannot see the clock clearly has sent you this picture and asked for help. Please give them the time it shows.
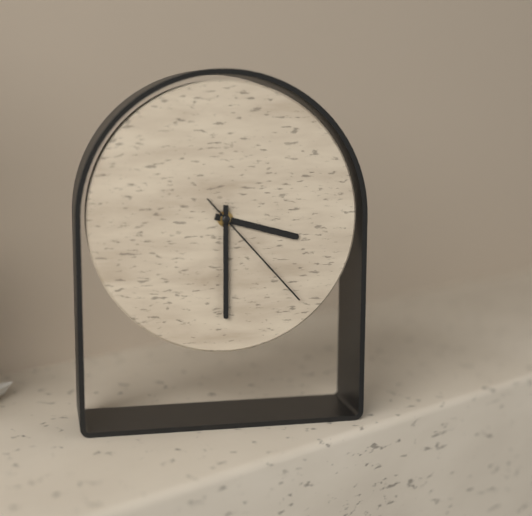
3:30:23
